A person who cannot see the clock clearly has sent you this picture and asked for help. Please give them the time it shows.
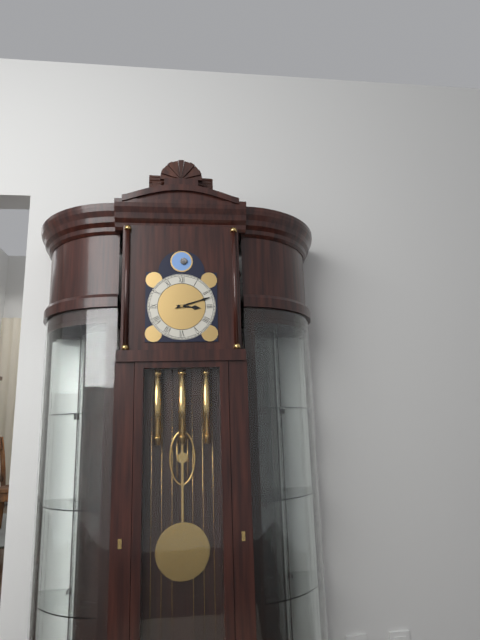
3:12
